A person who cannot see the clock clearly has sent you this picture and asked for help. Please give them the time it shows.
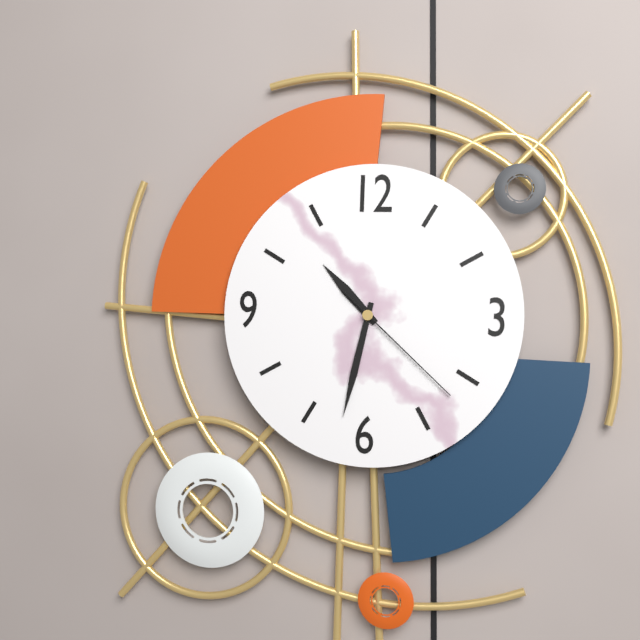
10:32:22
